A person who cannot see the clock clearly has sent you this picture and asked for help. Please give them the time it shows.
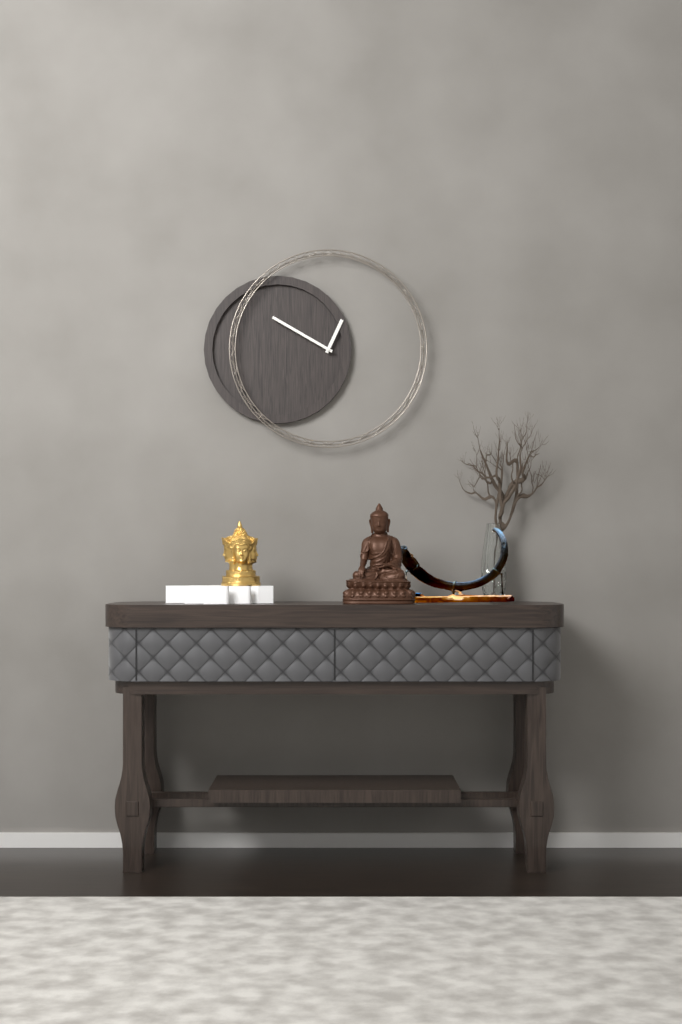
12:50
